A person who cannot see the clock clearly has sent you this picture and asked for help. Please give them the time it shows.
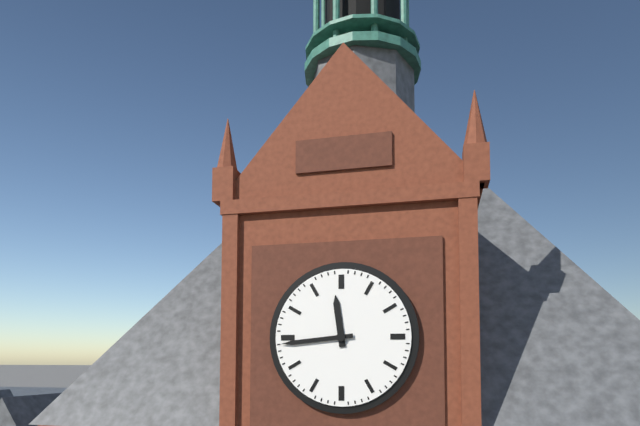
11:44
